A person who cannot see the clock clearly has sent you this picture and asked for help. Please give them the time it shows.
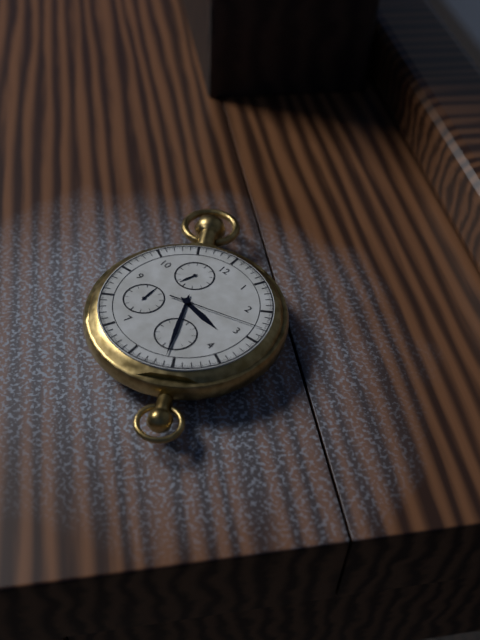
3:26:13
